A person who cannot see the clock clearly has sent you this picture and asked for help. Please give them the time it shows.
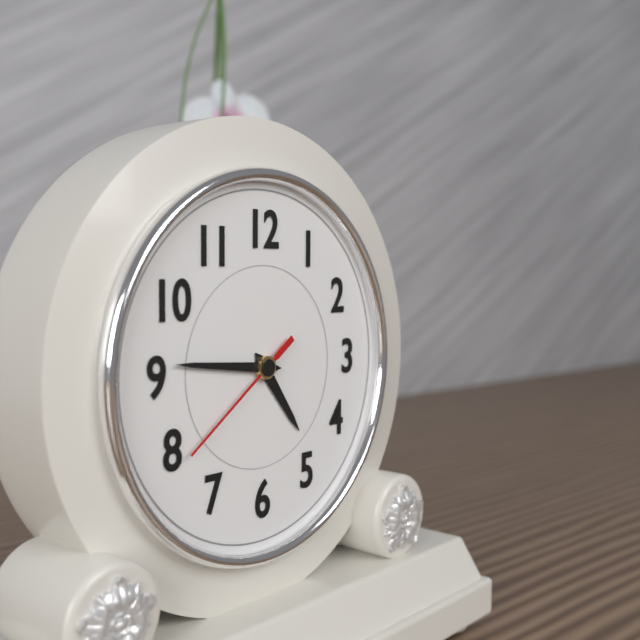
4:46:39
